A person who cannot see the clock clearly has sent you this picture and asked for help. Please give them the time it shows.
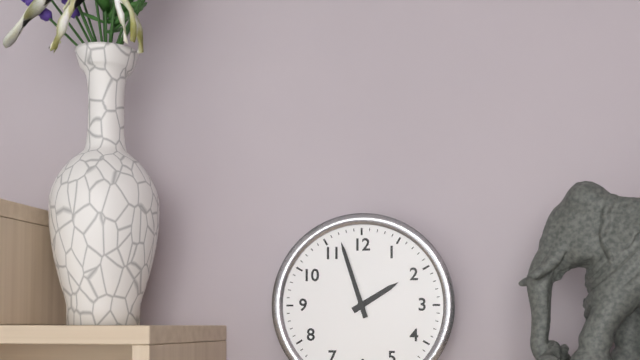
1:57
